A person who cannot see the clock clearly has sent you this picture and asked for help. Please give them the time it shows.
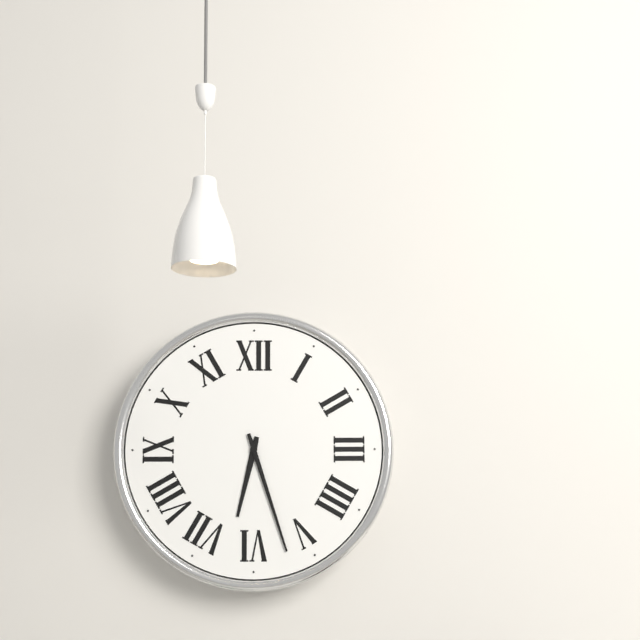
6:27
